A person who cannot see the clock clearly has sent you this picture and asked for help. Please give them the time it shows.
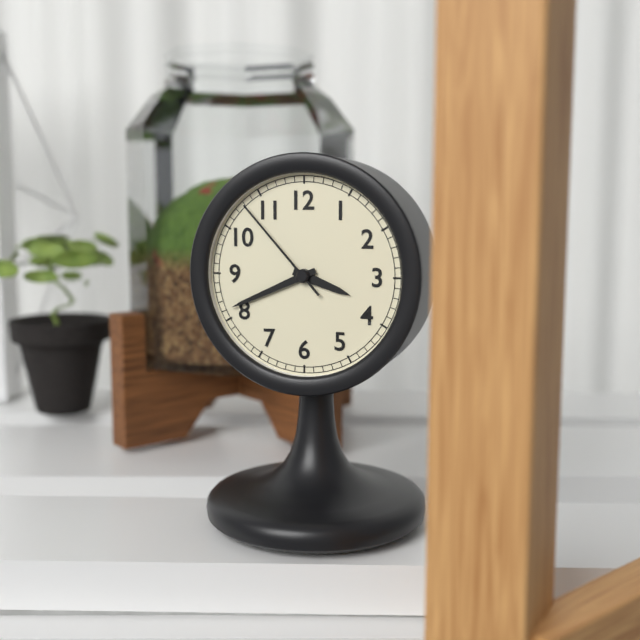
3:41:53
